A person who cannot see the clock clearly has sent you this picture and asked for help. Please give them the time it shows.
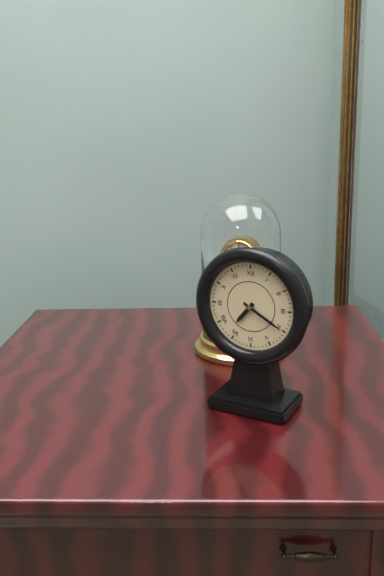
7:20
